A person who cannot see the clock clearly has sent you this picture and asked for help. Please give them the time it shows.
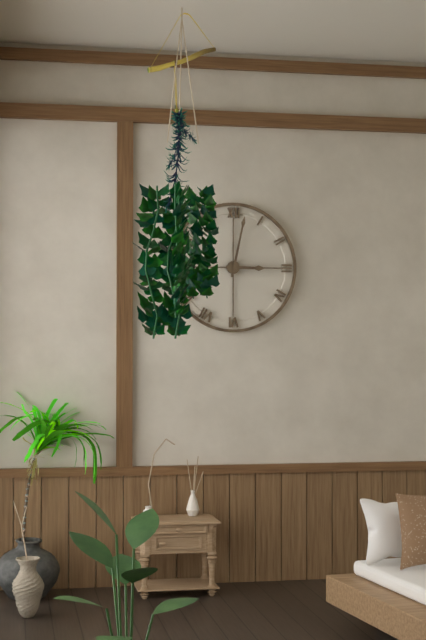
3:02
